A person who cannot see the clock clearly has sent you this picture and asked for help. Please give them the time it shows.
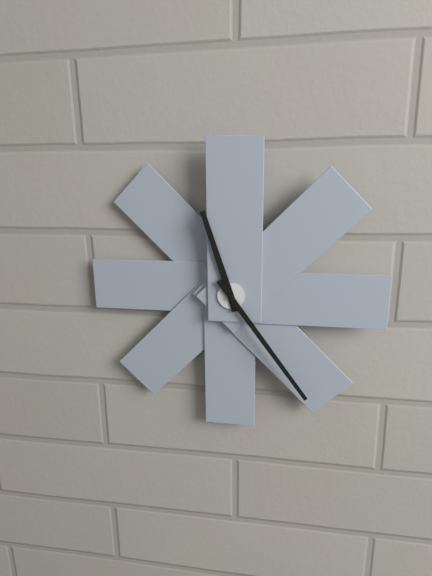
11:24
